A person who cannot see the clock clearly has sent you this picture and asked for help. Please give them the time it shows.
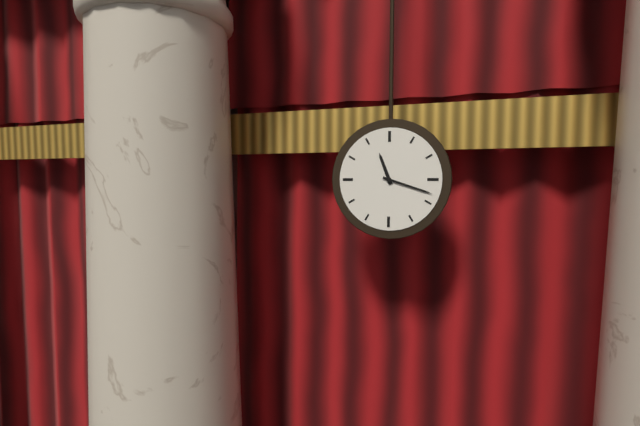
11:18
